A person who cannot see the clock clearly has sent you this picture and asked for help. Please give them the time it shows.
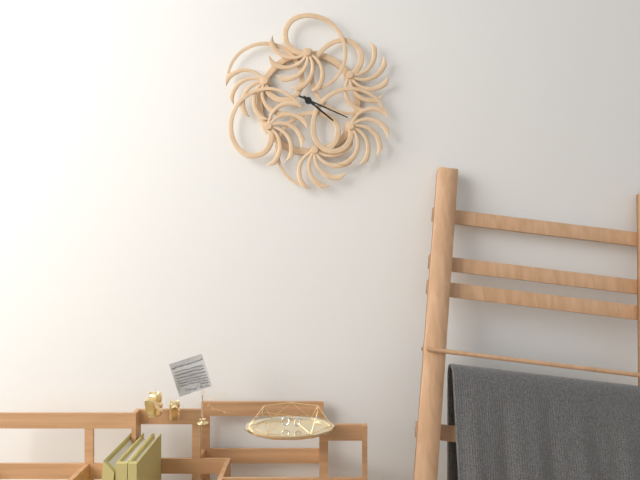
4:19
